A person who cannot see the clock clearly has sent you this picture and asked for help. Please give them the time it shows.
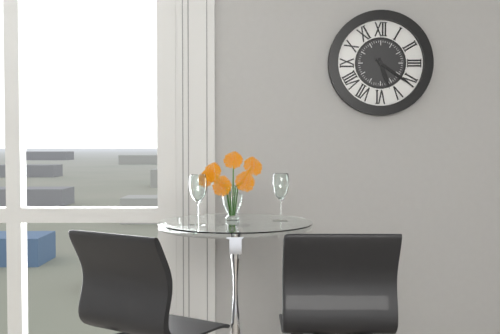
5:21
